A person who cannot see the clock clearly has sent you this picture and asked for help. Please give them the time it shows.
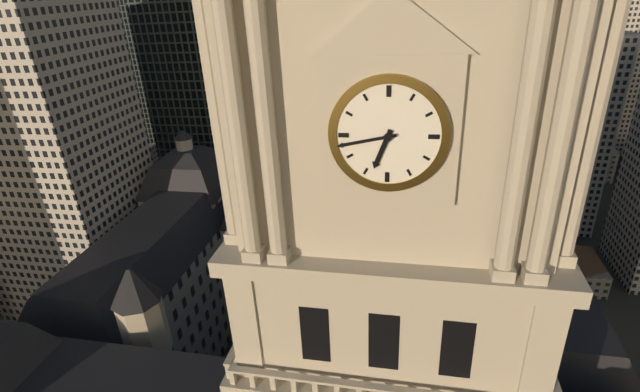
6:43
